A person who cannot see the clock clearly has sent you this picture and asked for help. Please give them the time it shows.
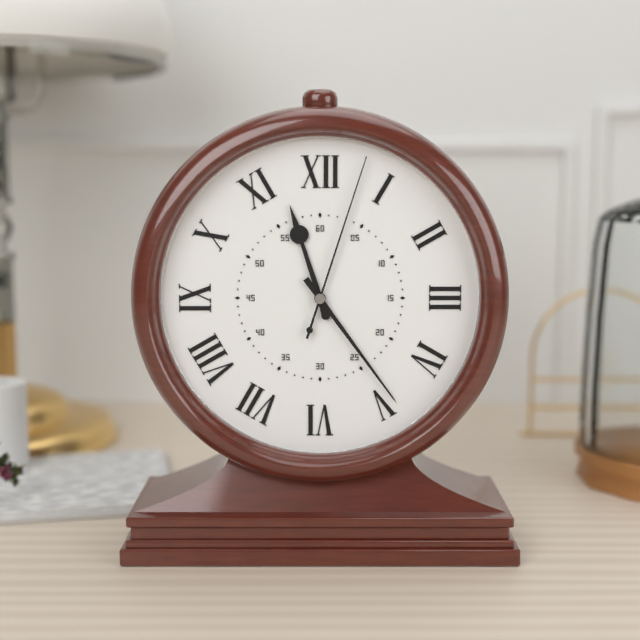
11:24:03
